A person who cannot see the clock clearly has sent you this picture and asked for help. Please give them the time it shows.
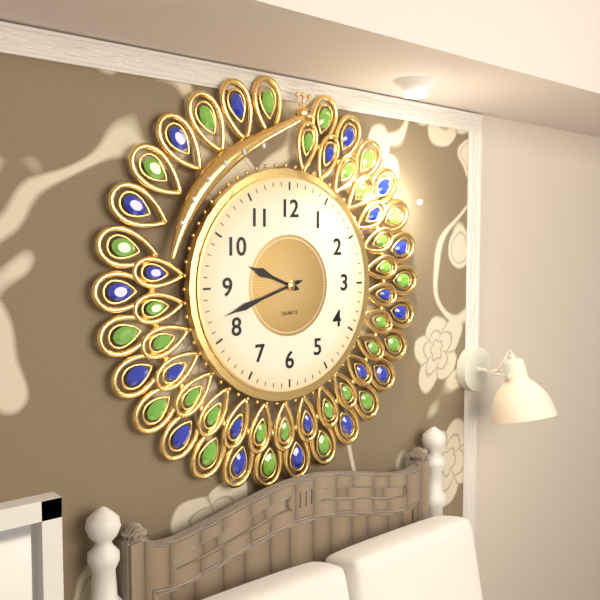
9:42
